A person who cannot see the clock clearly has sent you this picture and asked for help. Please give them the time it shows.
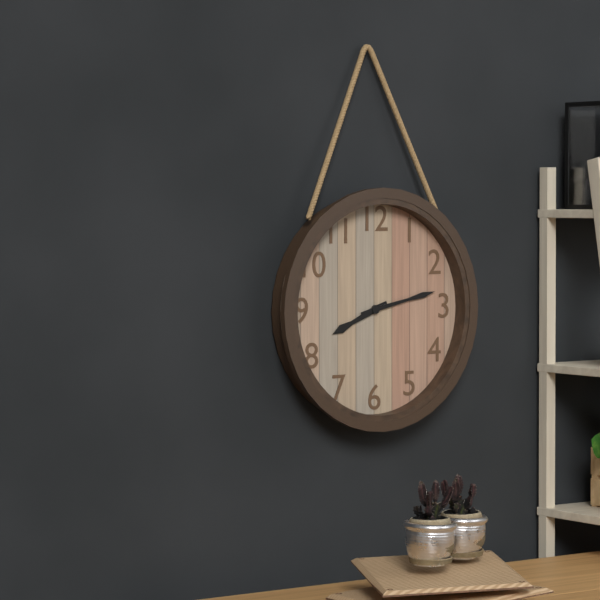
8:13
